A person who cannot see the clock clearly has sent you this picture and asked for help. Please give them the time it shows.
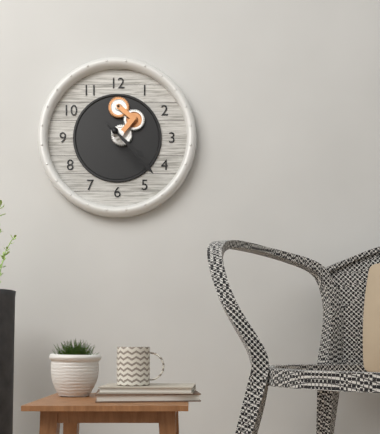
4:23
